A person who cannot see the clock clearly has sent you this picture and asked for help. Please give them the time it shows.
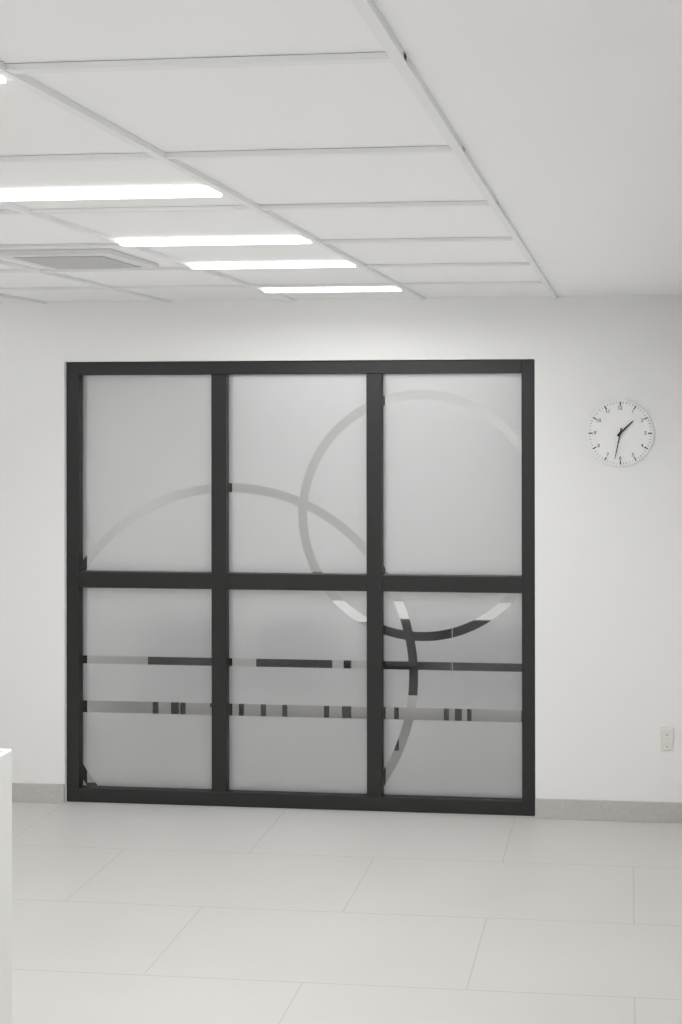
1:32
